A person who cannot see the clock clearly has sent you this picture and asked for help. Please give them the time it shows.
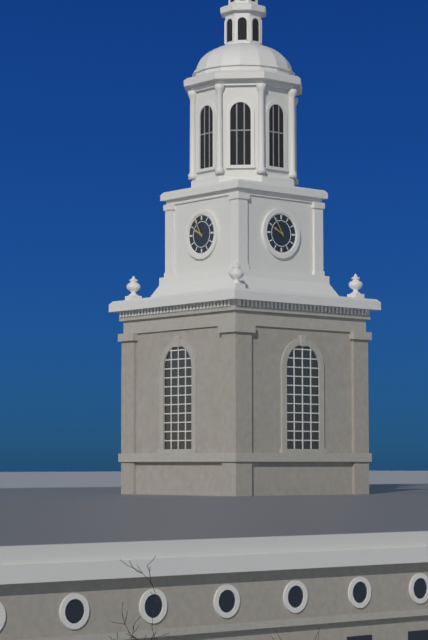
9:55
